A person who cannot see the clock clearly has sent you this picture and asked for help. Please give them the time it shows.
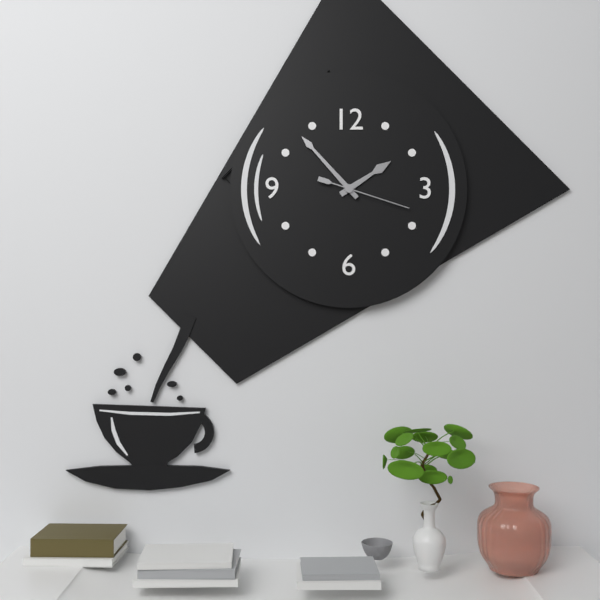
1:53:18
